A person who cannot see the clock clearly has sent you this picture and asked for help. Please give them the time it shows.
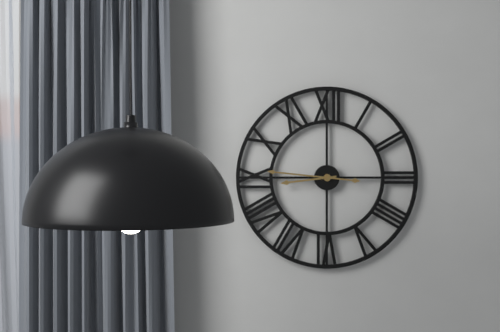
8:46
